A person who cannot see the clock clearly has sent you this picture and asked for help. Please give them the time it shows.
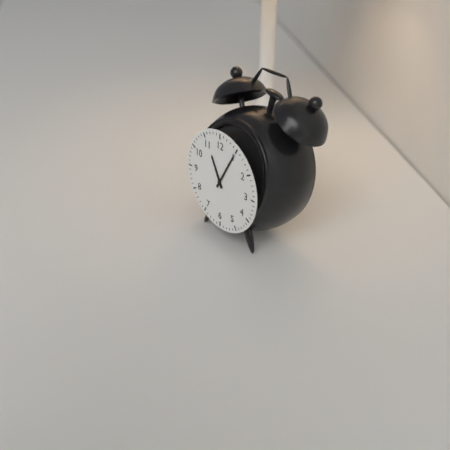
11:05
